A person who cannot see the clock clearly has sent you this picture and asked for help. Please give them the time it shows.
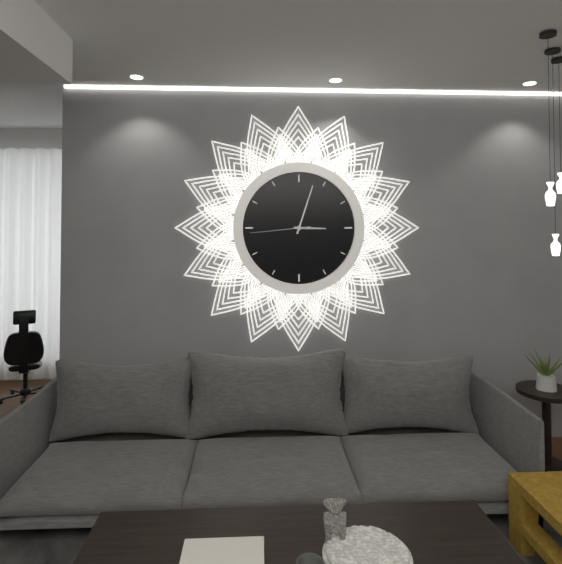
3:03:44
